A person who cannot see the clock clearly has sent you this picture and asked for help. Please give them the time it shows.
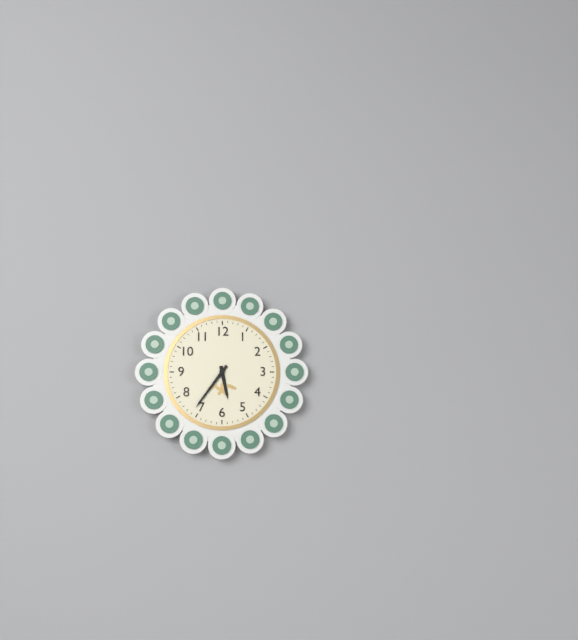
5:36
